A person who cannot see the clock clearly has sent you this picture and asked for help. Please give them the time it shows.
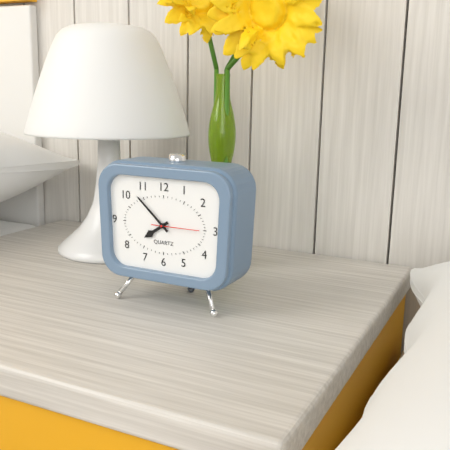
7:52
